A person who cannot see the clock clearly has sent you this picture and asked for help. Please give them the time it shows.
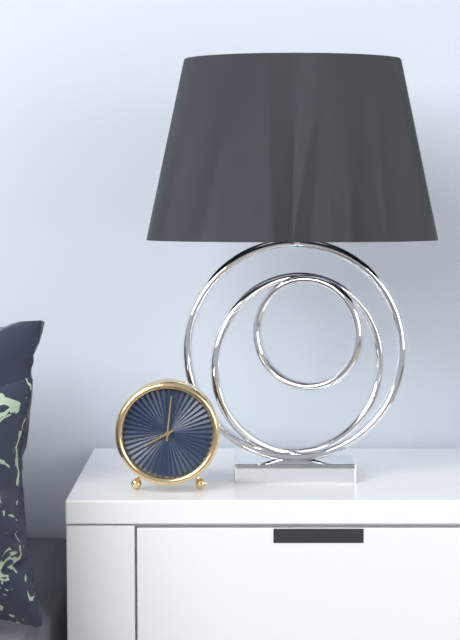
8:01
